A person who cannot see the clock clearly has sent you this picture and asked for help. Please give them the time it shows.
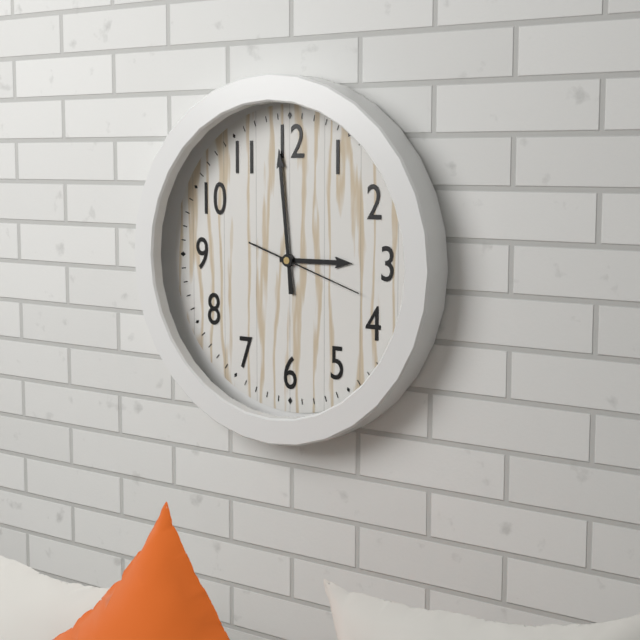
2:59:18
